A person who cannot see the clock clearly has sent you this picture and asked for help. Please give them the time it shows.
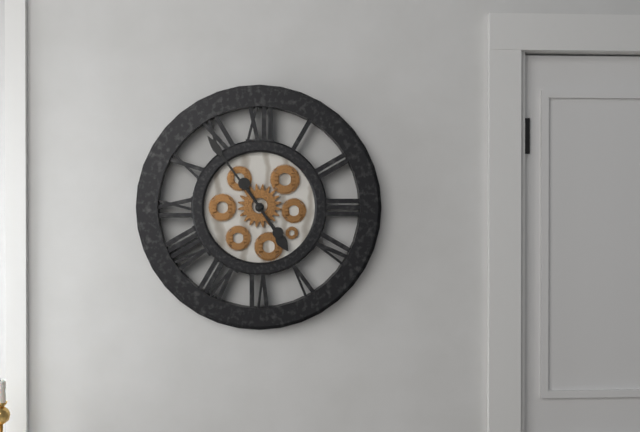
4:54
